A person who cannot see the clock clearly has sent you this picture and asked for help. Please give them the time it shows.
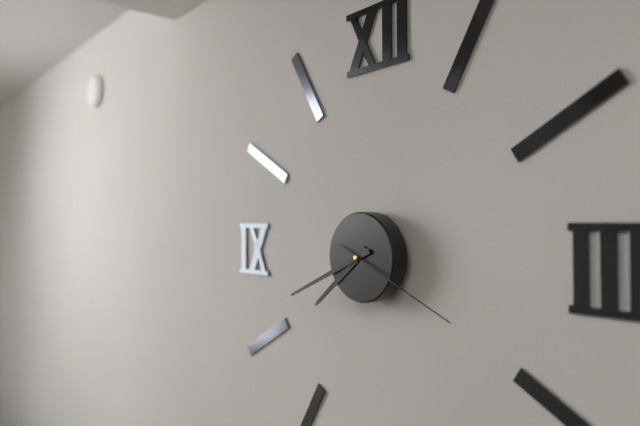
7:41:19
